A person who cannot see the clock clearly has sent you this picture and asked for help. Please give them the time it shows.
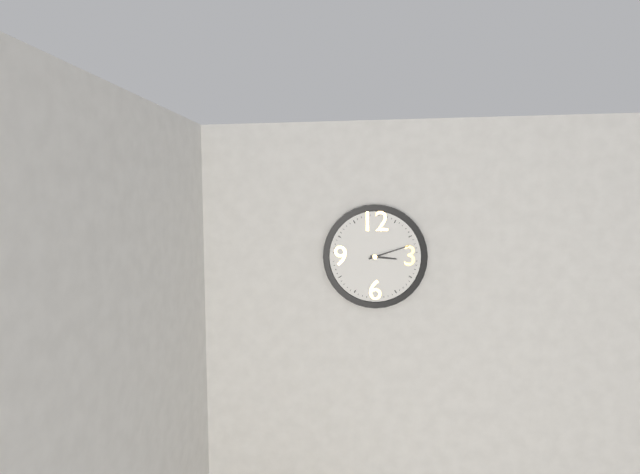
3:12
